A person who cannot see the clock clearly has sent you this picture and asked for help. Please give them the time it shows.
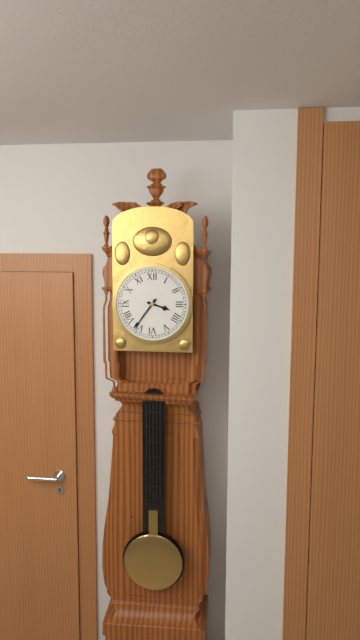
3:36
